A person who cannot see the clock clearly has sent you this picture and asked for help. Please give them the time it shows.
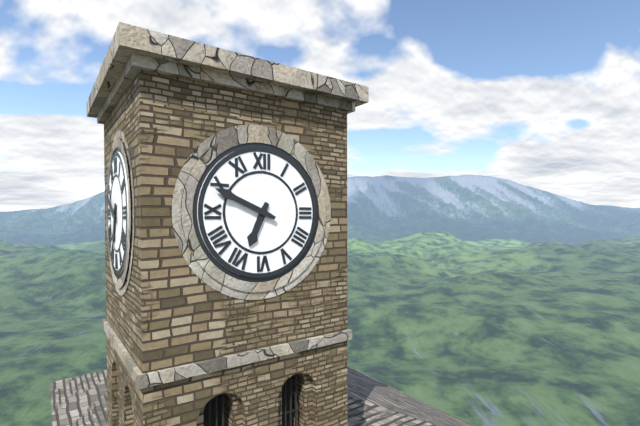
6:49
